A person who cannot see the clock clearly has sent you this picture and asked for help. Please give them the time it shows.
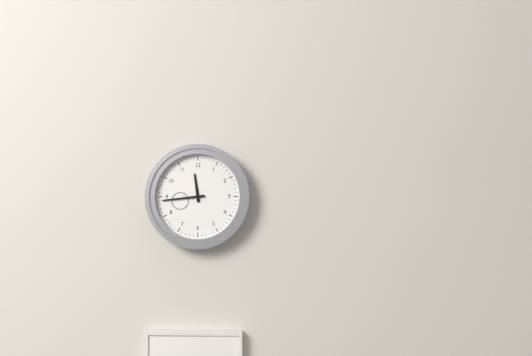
11:44
